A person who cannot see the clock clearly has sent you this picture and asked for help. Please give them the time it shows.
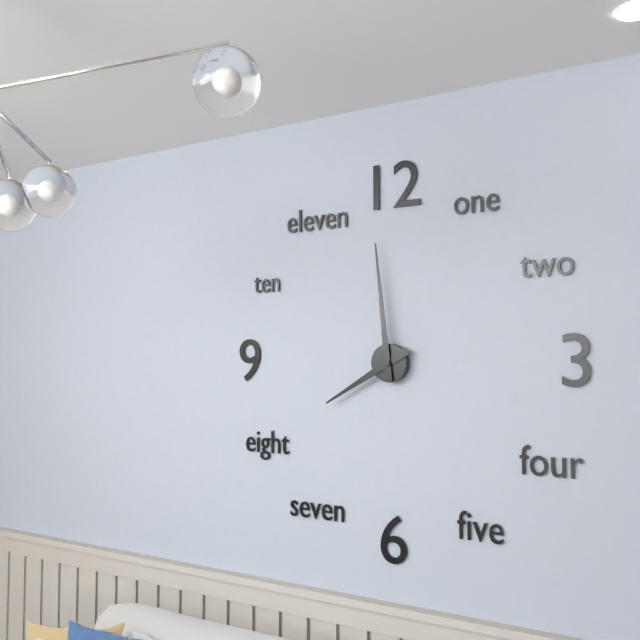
7:59
